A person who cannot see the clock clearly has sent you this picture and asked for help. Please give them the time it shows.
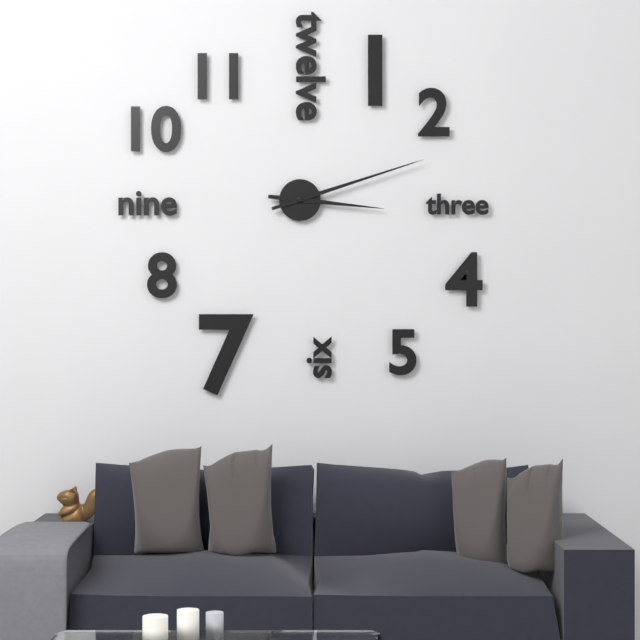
3:12
